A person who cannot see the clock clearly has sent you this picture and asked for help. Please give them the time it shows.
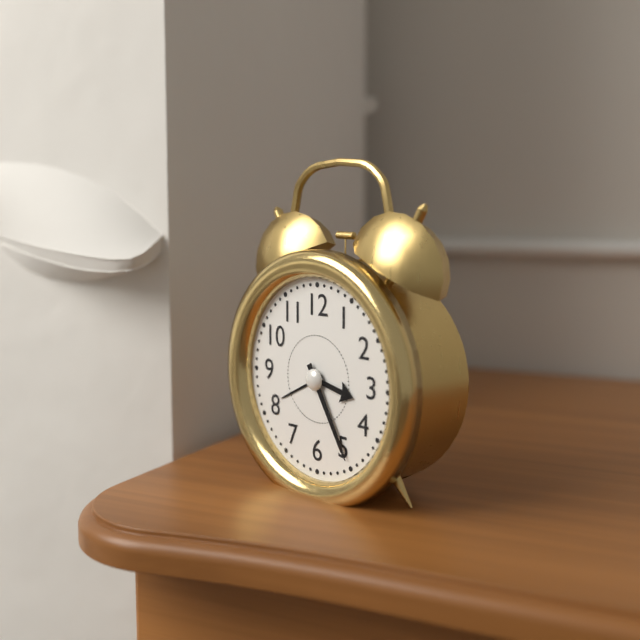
3:25
